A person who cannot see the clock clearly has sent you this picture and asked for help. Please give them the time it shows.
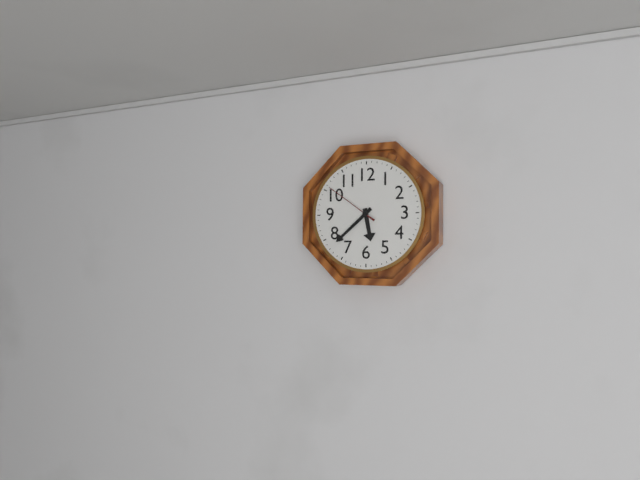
5:38:51
